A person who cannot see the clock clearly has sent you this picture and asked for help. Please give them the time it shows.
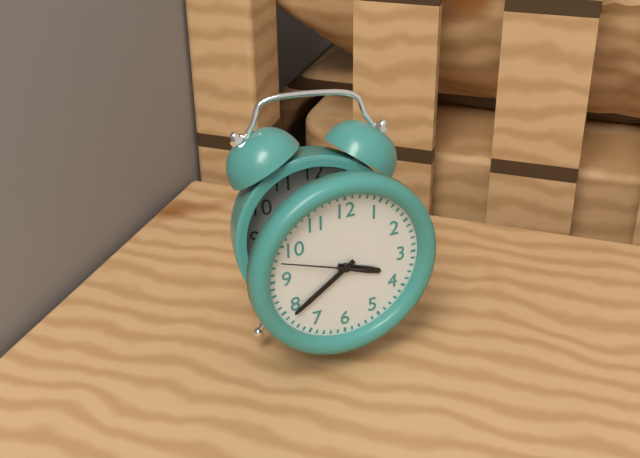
3:39:48
